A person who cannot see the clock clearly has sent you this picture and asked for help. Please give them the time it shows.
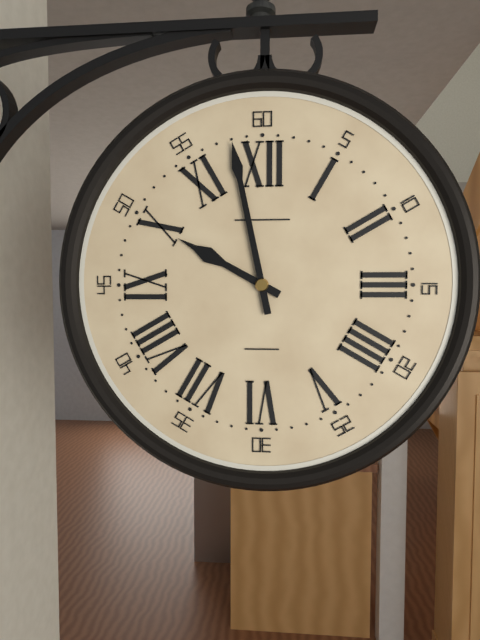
9:58
